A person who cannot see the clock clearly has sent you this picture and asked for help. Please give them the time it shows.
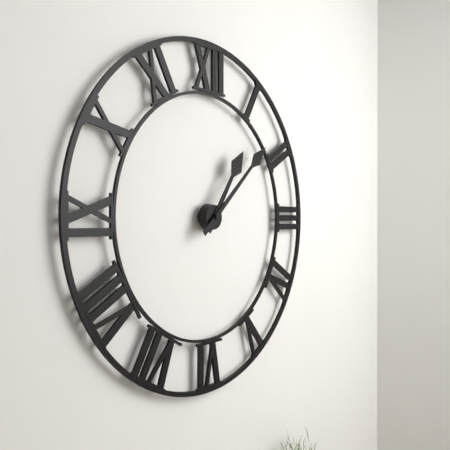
1:08
